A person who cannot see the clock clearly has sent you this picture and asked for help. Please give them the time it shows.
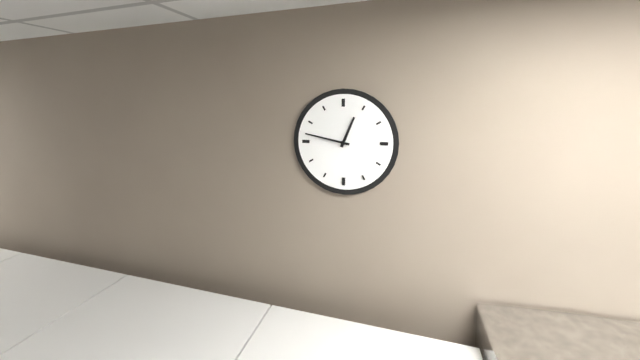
12:47
